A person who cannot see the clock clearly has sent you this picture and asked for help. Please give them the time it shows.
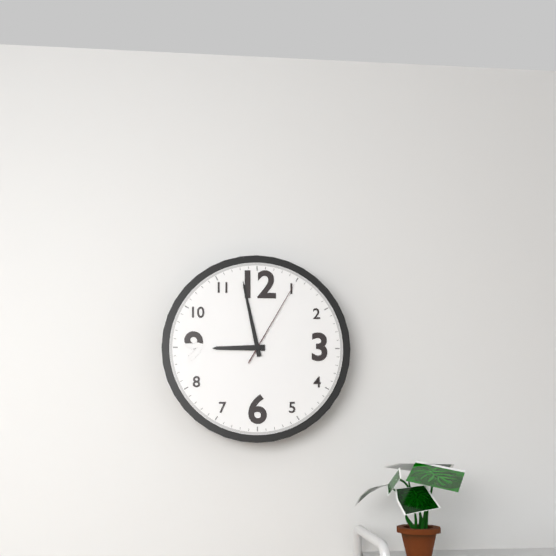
8:58:05
